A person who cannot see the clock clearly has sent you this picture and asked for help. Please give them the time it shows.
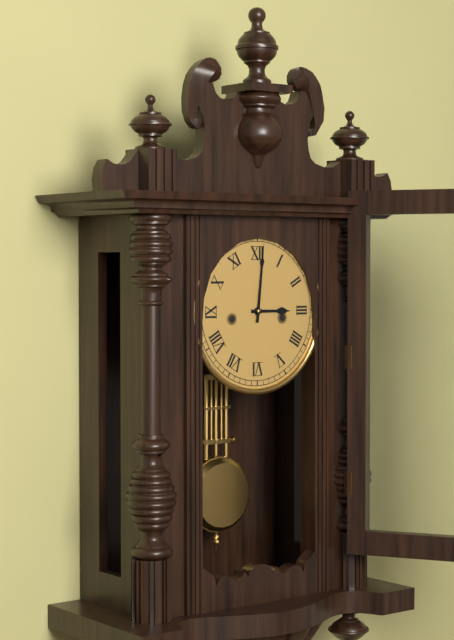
3:01
